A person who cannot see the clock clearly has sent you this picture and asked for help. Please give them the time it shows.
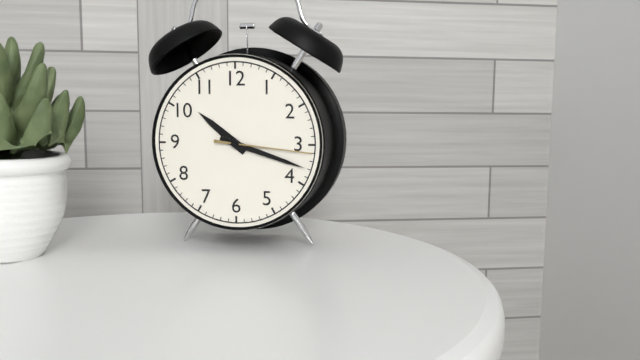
10:18:16
